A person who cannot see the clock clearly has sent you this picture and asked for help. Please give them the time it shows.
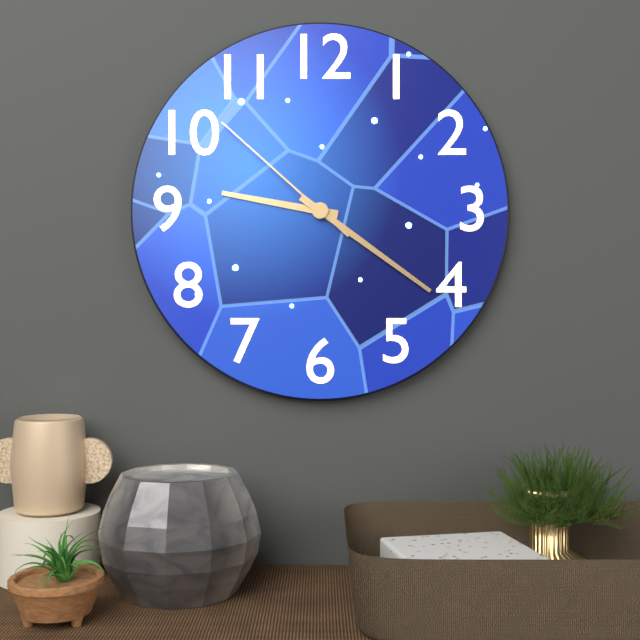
9:21:52
